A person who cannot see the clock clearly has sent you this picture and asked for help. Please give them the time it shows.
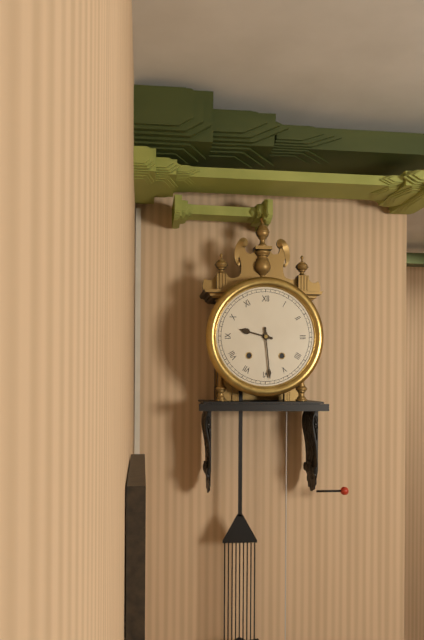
9:29
